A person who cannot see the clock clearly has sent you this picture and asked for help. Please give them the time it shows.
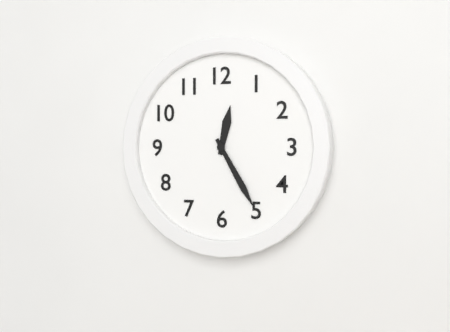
12:25
